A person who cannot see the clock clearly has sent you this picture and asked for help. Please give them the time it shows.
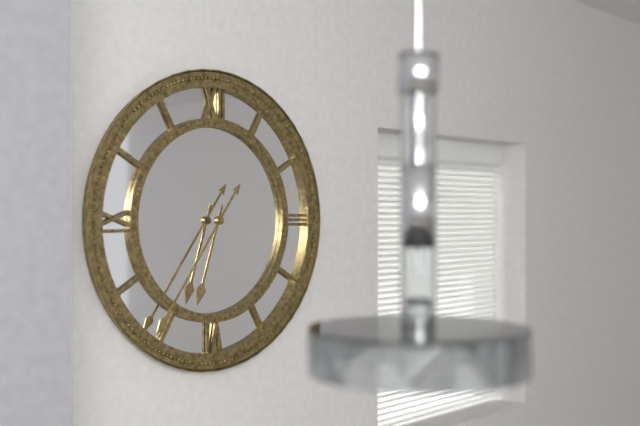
6:36
